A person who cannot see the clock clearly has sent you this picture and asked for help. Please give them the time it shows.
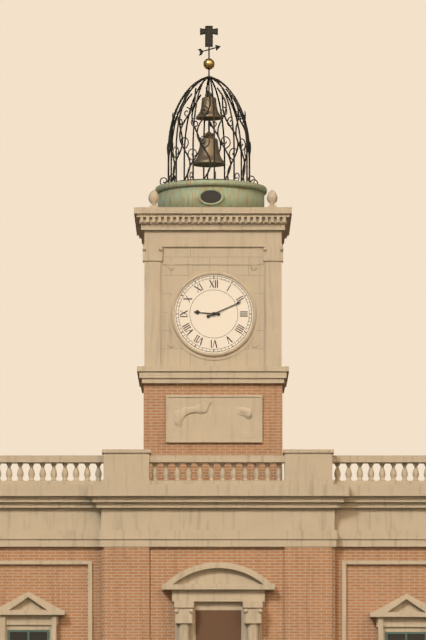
9:11
